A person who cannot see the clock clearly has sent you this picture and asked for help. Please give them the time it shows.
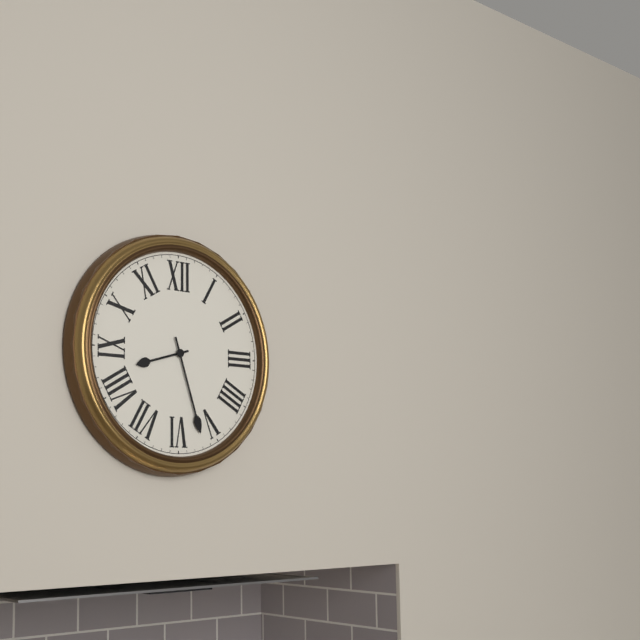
8:27
